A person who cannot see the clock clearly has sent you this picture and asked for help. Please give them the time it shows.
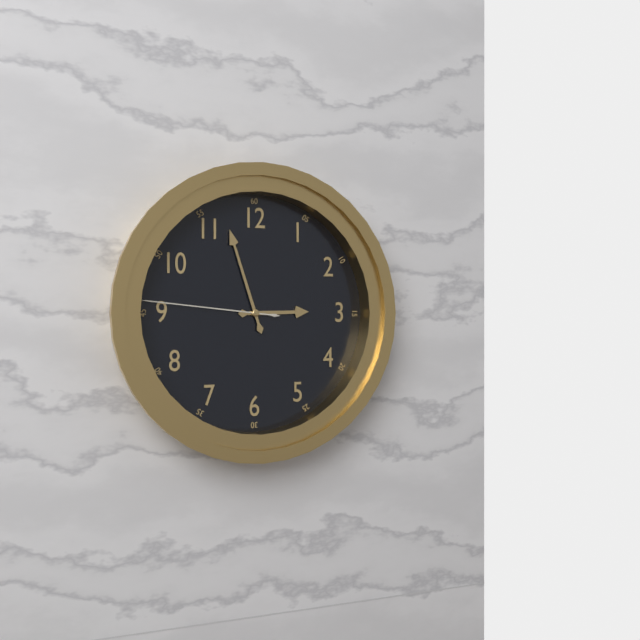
2:57:46
